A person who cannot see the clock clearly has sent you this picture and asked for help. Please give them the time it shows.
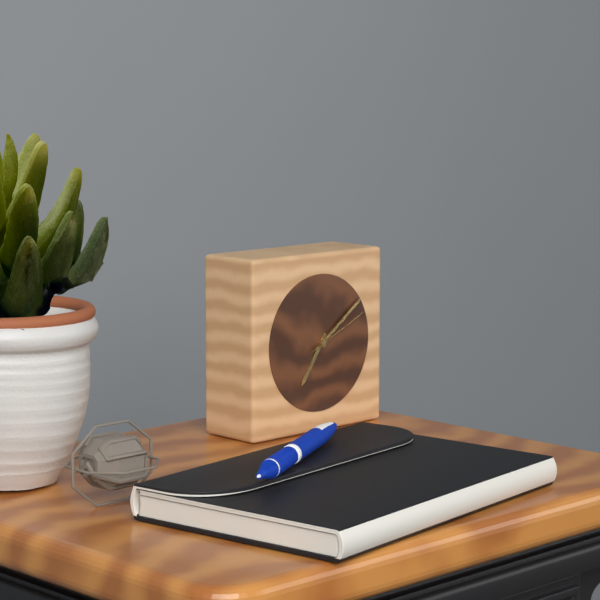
7:09:11
